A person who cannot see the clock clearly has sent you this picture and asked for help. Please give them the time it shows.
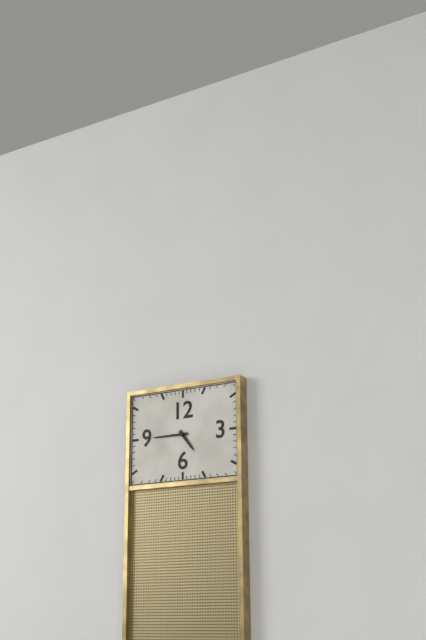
4:45
